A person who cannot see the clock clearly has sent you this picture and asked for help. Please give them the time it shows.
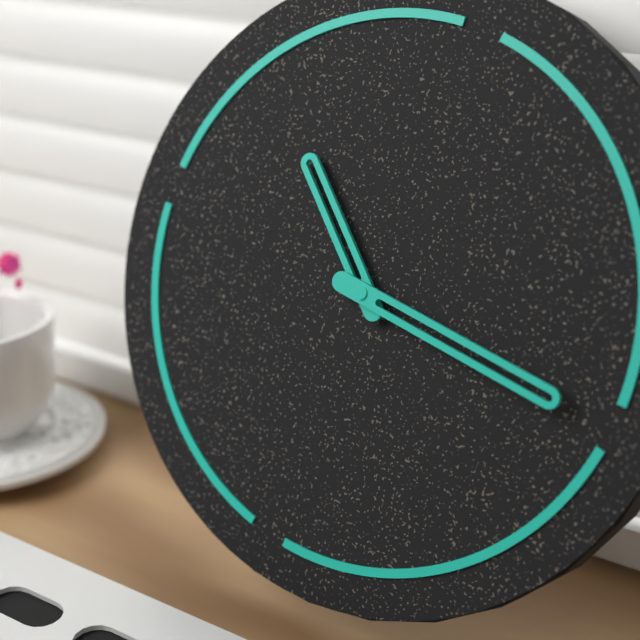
10:15
